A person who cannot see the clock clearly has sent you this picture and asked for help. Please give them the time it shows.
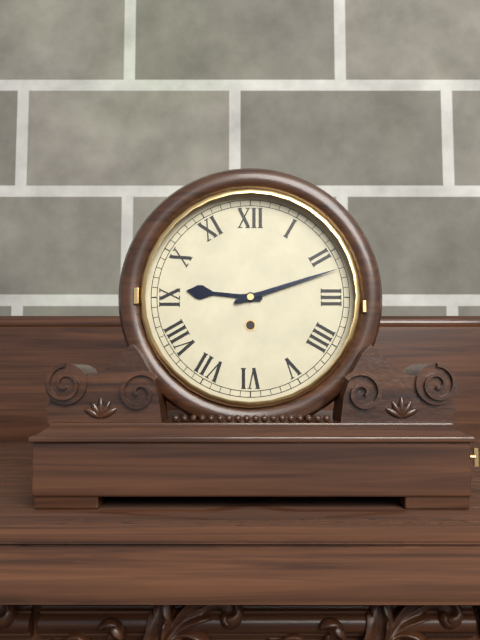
9:12
